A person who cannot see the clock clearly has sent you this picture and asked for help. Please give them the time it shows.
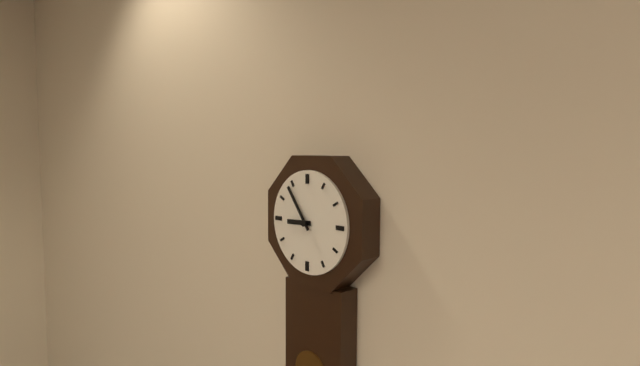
8:54
